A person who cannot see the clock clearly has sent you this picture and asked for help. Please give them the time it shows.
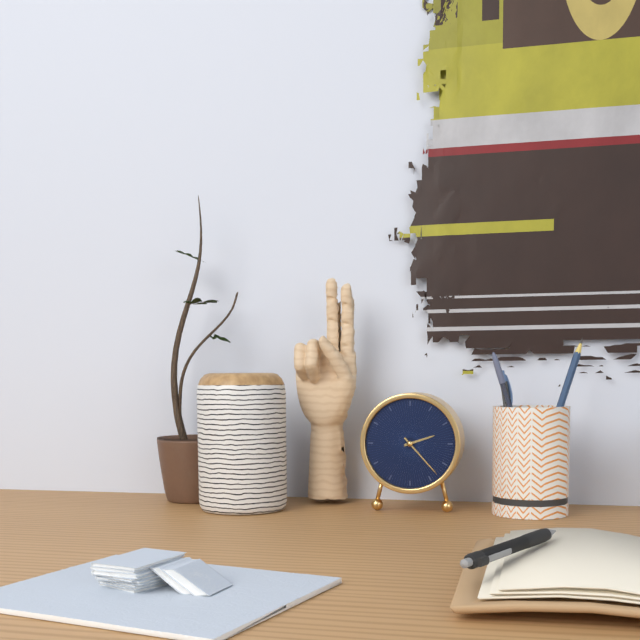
2:23
